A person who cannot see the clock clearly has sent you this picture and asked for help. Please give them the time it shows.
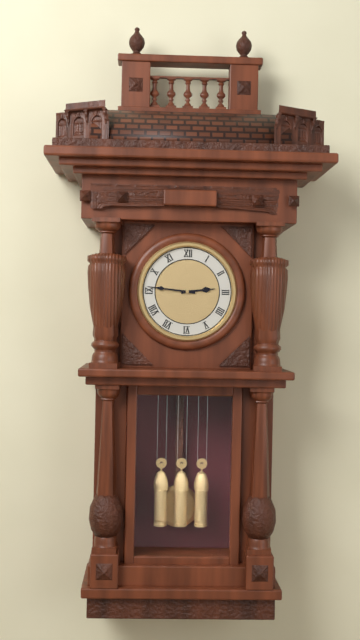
2:46
